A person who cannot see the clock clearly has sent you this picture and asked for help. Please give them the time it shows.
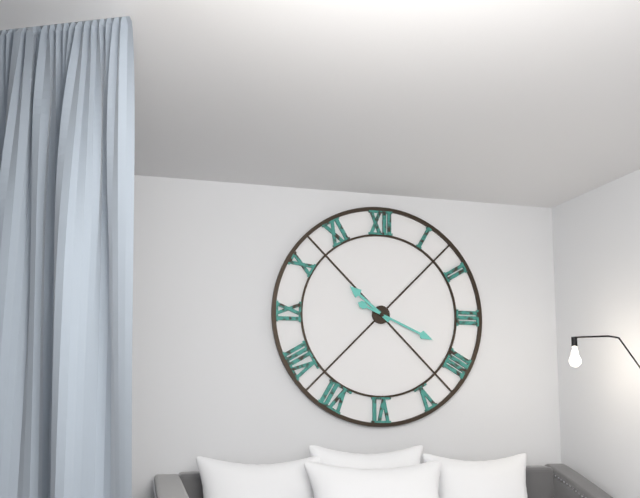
10:19
